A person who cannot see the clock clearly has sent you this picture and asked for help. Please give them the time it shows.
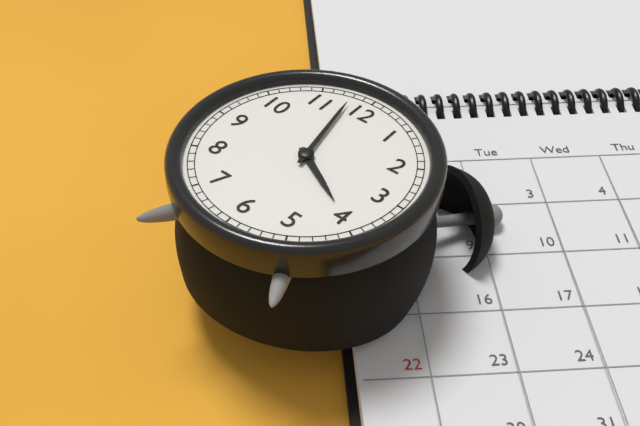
3:58
